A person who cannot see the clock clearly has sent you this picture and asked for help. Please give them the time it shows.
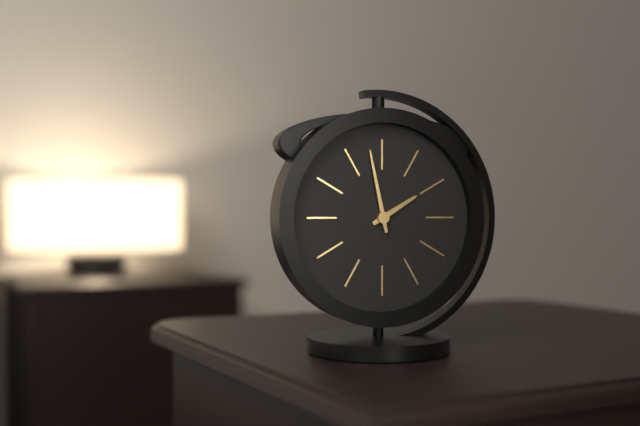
1:58
